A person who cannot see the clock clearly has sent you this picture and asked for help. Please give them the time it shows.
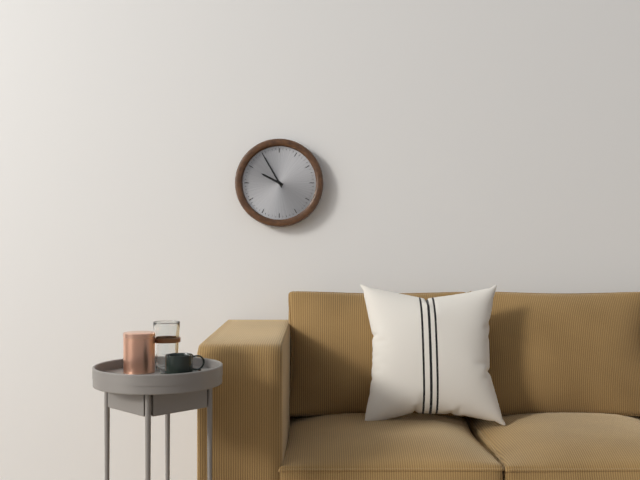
9:55
